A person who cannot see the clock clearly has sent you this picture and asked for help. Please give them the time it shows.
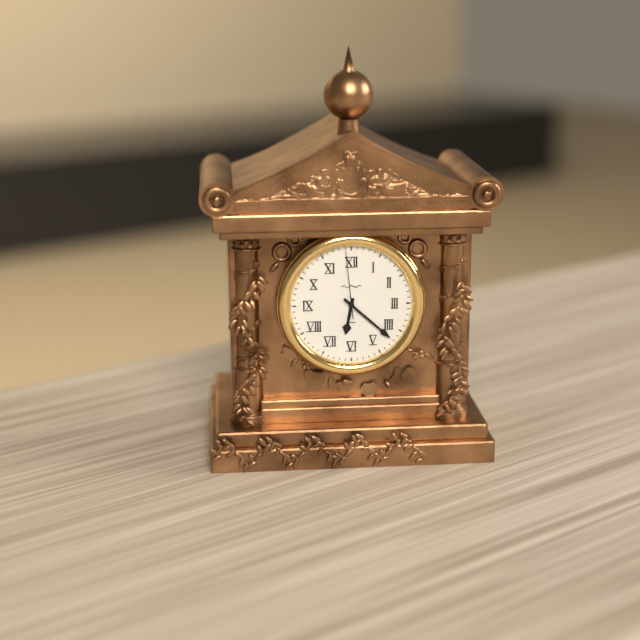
6:22:59
